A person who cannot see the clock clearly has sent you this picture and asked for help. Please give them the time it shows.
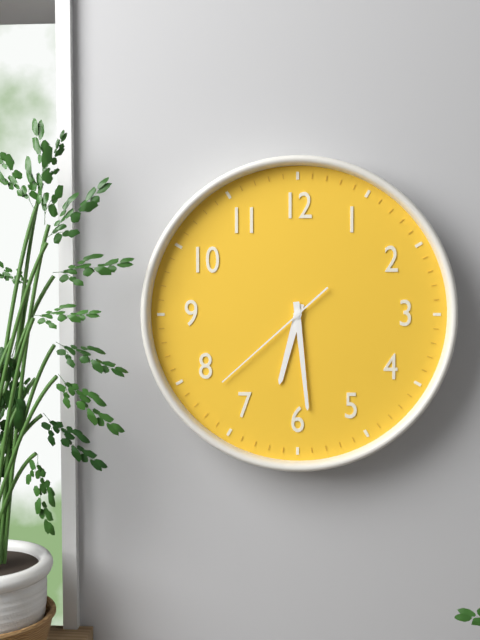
6:29:38
